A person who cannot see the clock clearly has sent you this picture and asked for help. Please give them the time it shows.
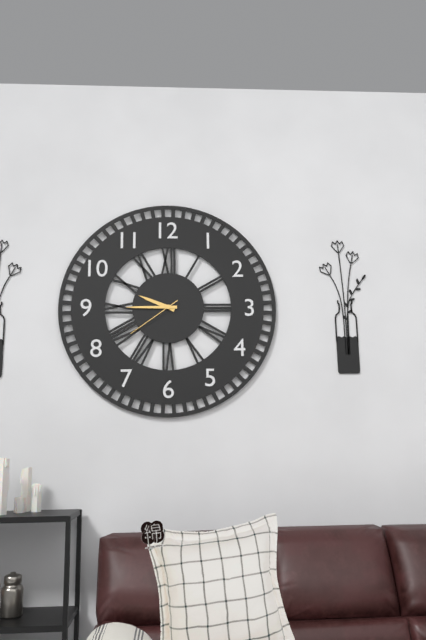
9:45:39
